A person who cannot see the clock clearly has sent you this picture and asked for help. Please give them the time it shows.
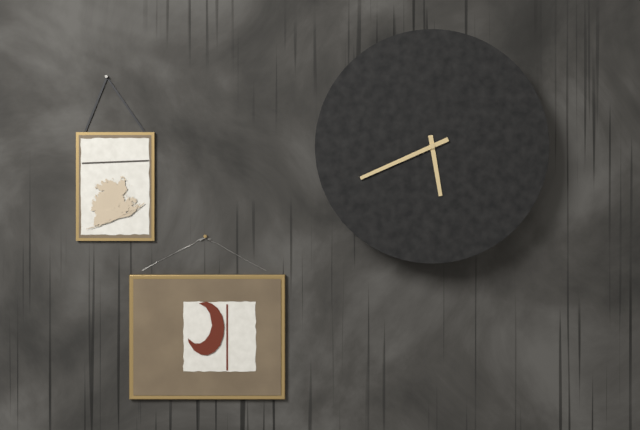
5:41
